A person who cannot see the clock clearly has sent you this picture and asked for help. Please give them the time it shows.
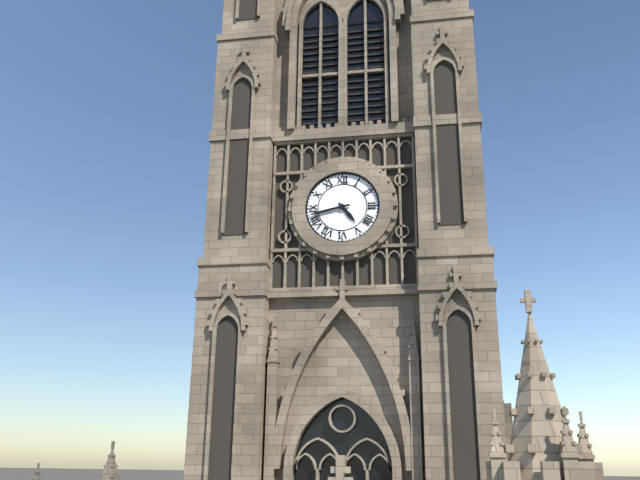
4:43
